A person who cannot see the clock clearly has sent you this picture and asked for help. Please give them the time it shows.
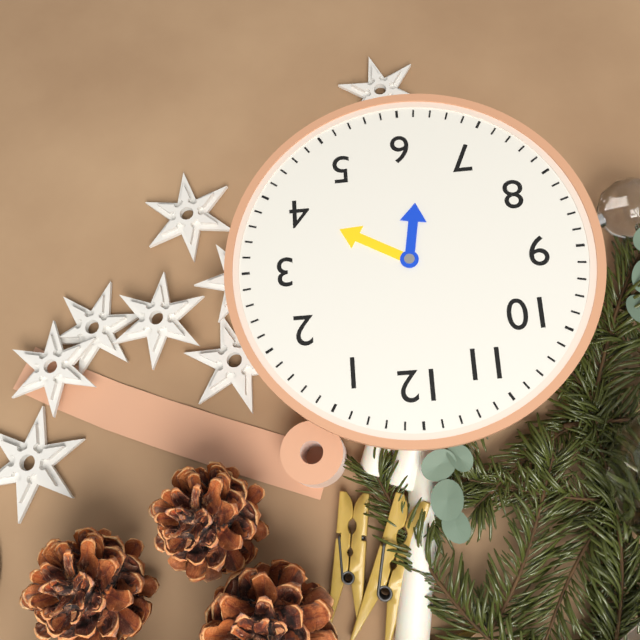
6:20
